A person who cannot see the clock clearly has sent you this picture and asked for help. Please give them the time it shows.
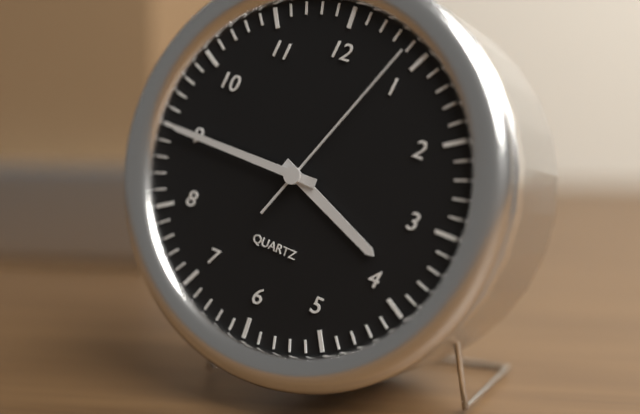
3:45:04
